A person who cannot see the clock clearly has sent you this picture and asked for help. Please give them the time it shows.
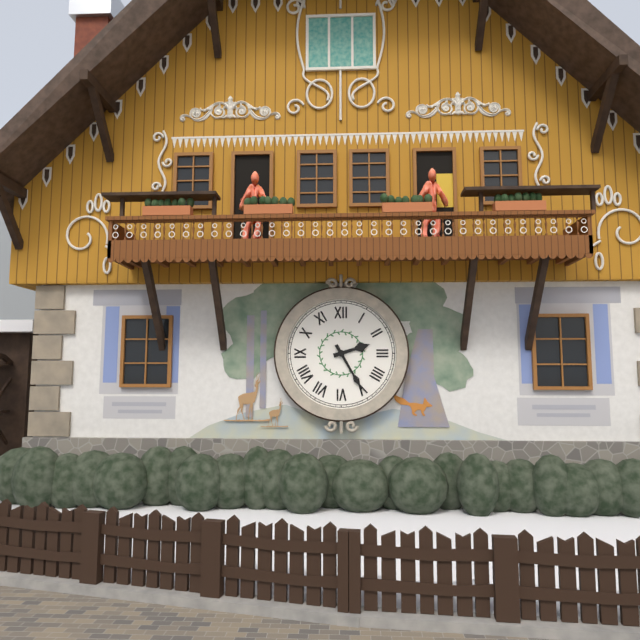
2:25
